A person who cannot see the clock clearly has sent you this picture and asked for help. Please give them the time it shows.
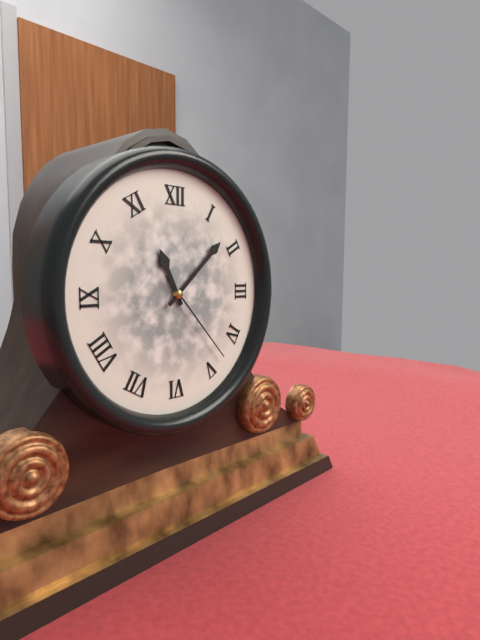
11:08:23
